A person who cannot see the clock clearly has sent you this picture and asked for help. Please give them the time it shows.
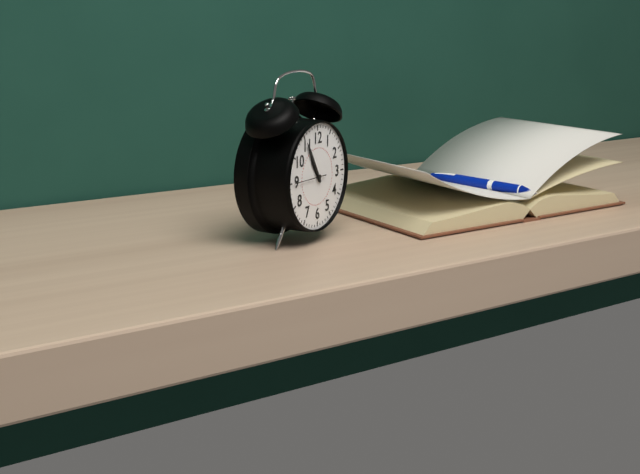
10:55
